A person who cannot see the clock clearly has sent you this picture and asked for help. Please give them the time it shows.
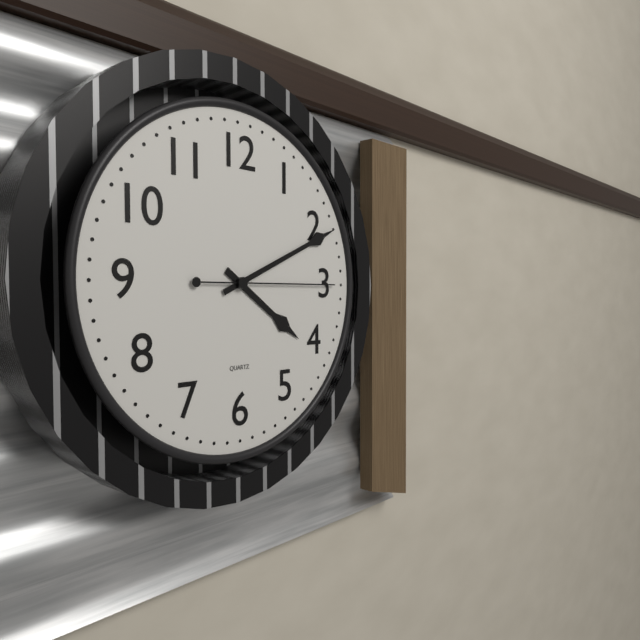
4:11:15
